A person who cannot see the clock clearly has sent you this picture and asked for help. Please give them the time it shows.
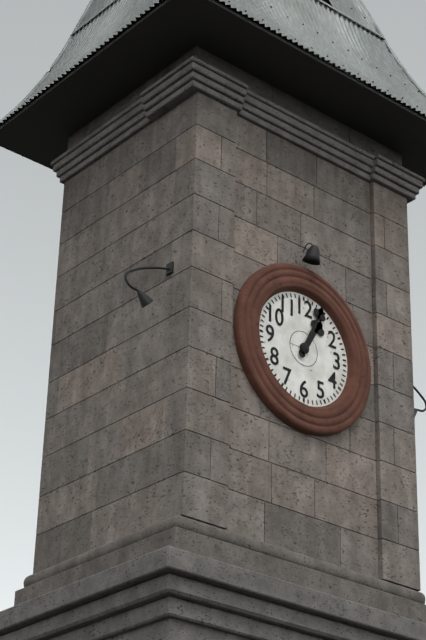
1:04
